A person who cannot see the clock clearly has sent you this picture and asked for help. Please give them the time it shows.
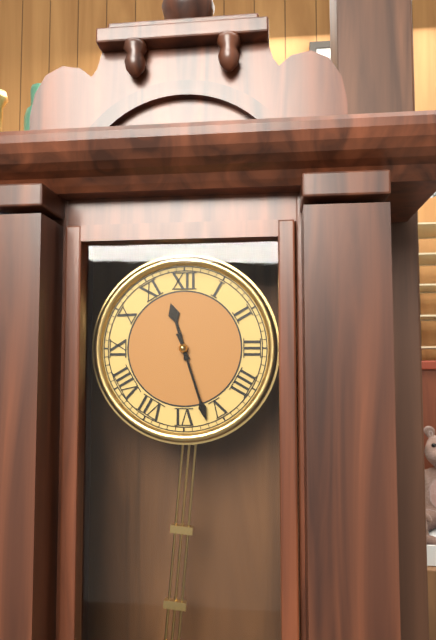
11:27
